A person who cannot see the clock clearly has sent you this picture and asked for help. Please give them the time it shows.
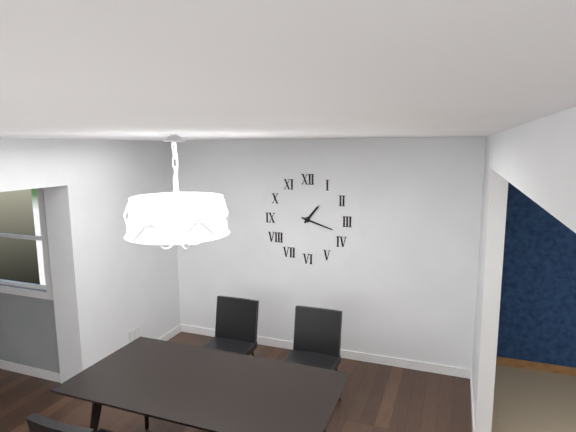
1:18
